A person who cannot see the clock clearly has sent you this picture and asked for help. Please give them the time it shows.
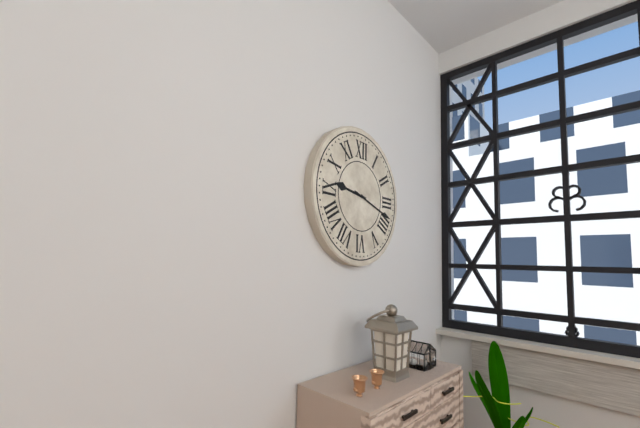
9:18
